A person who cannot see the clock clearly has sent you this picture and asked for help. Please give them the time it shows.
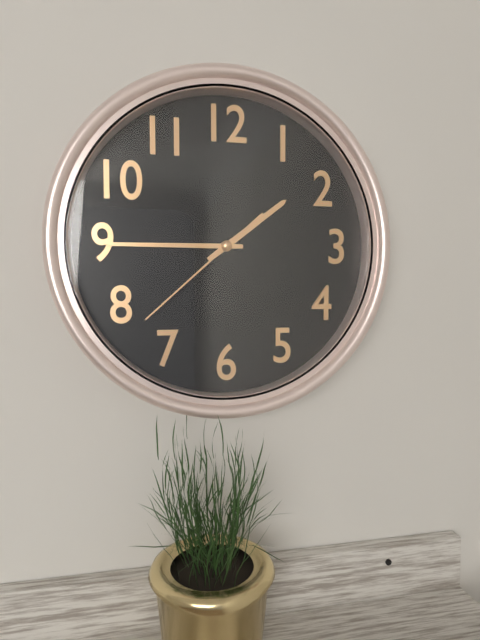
1:45:38
